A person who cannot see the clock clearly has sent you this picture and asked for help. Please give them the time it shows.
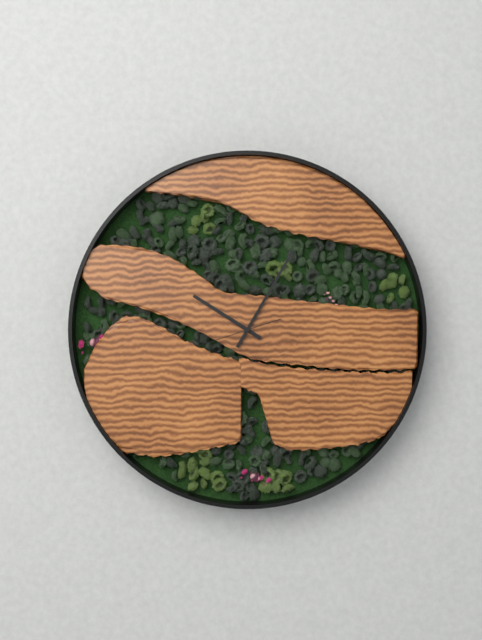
10:05:42
